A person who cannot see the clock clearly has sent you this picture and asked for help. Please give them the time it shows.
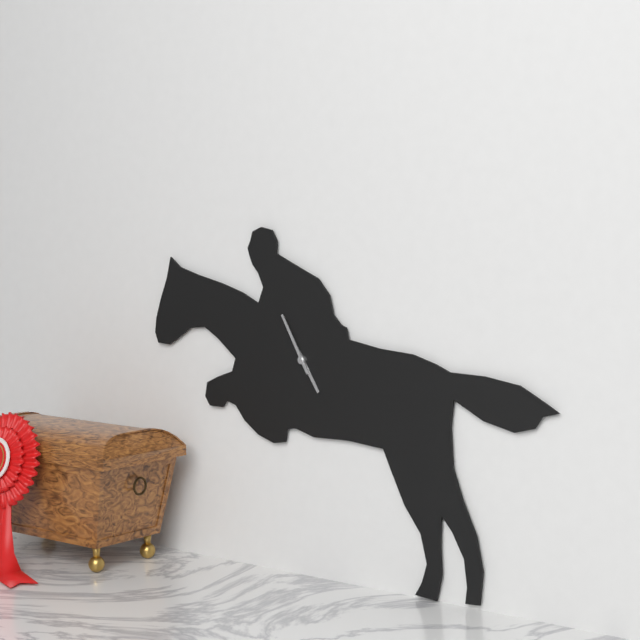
4:55
